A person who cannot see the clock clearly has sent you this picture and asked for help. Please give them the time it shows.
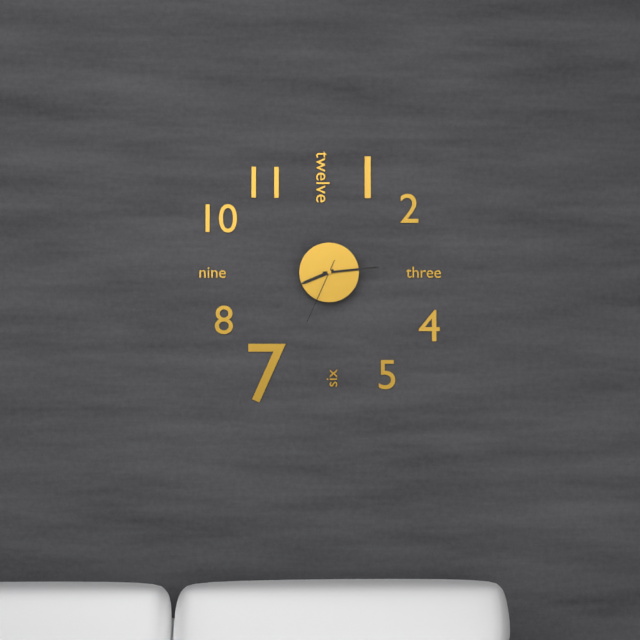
8:14:34
